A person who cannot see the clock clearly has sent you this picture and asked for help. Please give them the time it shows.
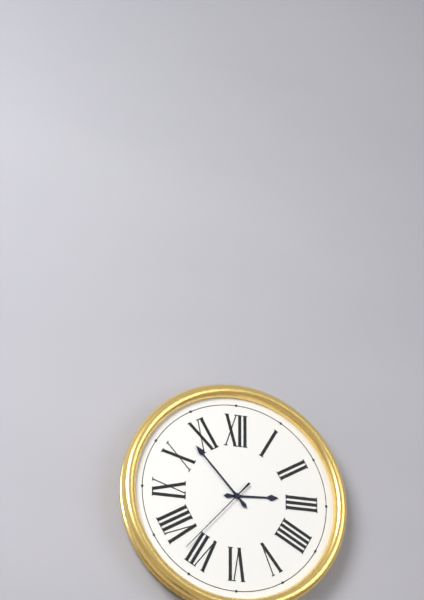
2:53:37
